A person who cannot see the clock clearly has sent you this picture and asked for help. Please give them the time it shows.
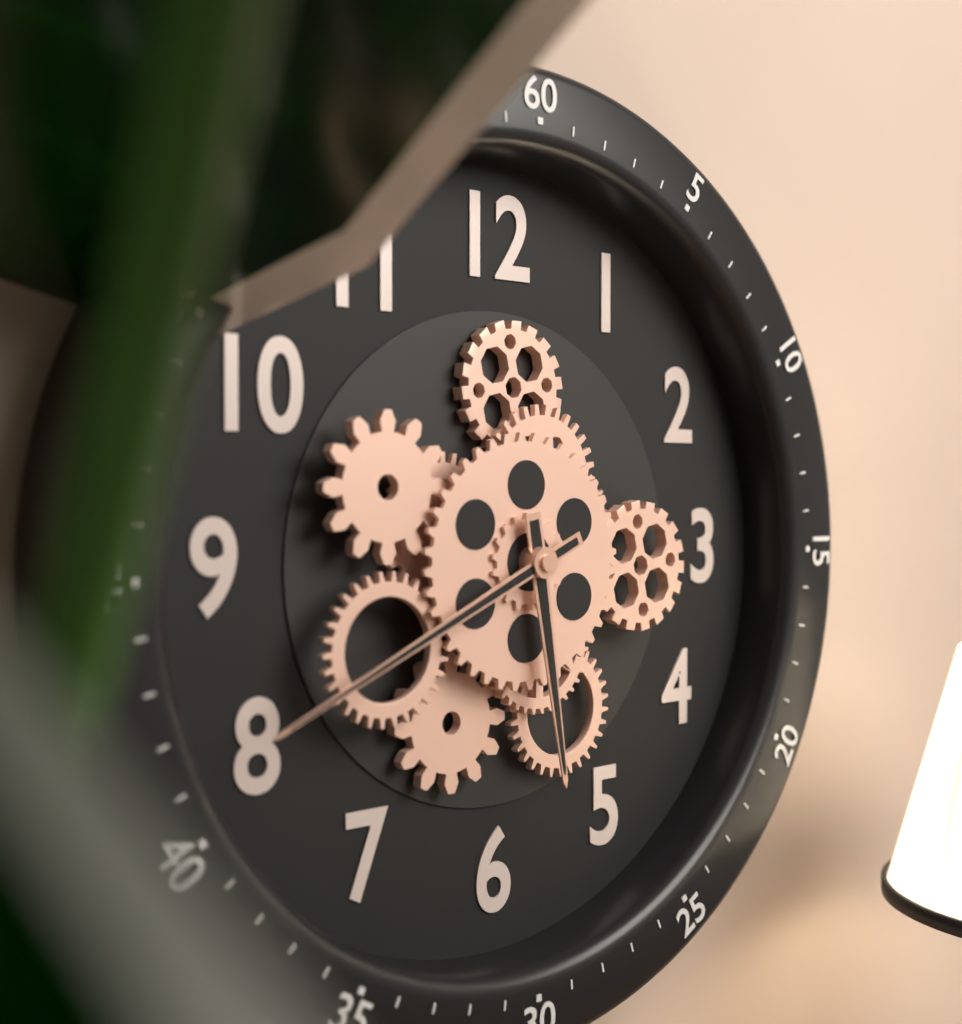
5:41
